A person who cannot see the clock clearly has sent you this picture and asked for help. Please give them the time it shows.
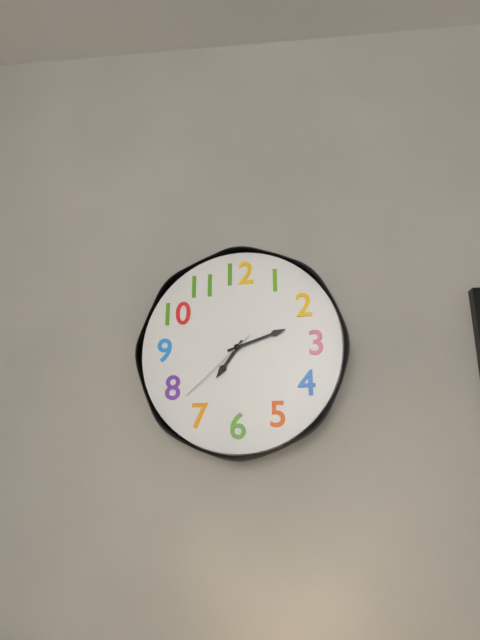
7:12:38
